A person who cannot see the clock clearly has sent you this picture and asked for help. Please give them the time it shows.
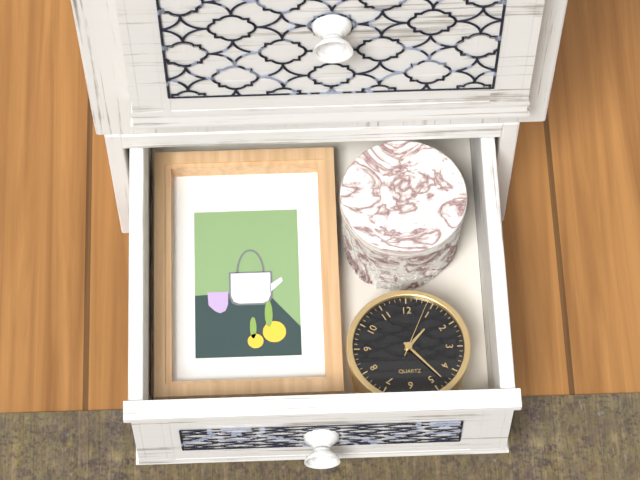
1:23:04
